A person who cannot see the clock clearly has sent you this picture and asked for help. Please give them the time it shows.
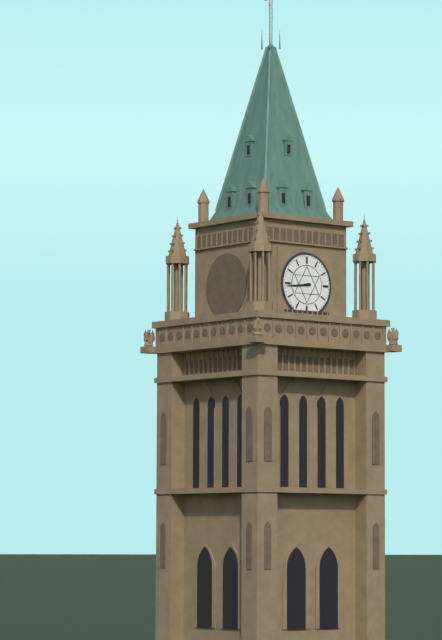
8:44
